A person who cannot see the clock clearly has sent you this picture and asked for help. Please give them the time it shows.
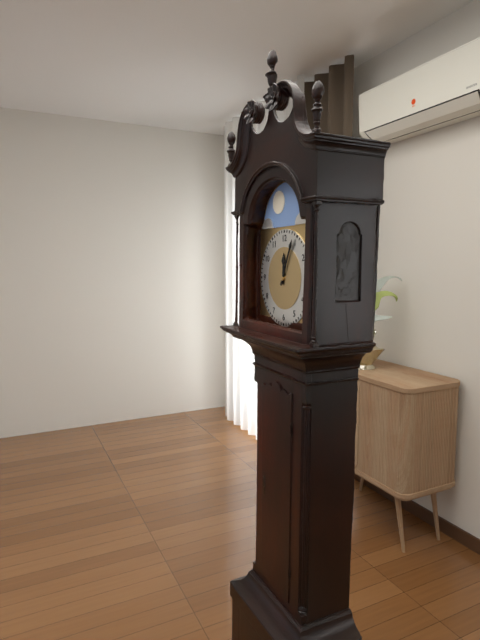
12:04
